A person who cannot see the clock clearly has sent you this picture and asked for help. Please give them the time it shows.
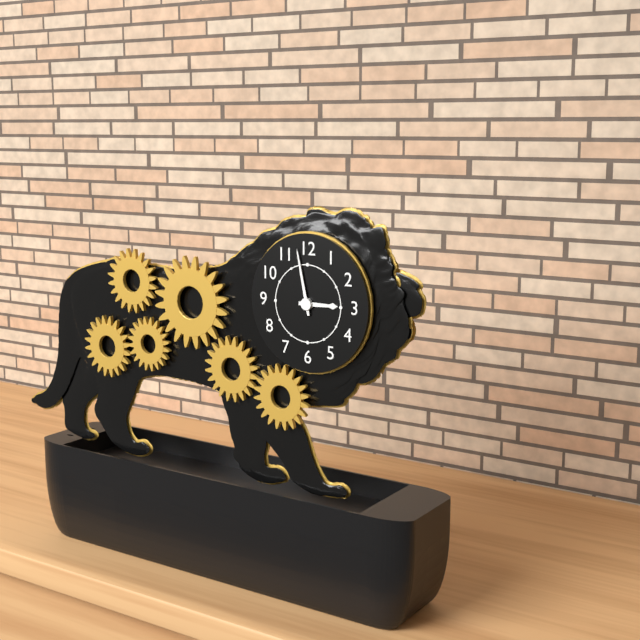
2:58
